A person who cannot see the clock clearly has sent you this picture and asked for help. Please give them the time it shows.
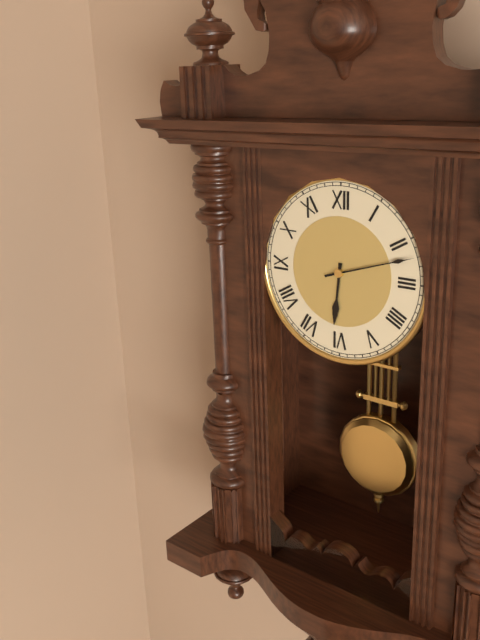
6:12
